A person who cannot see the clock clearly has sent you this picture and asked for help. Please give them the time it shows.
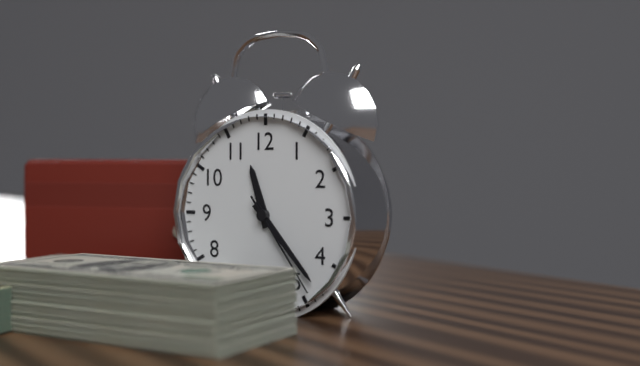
11:23:24
